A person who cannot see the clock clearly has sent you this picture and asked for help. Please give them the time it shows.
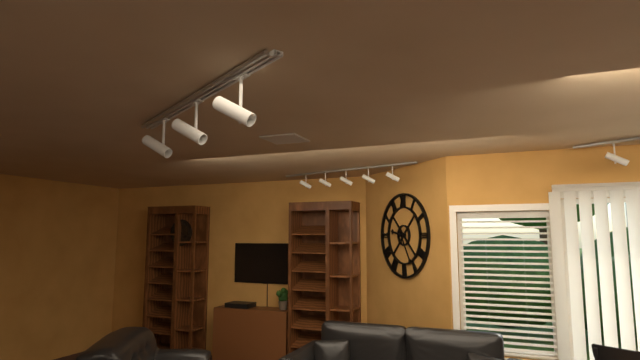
9:25
